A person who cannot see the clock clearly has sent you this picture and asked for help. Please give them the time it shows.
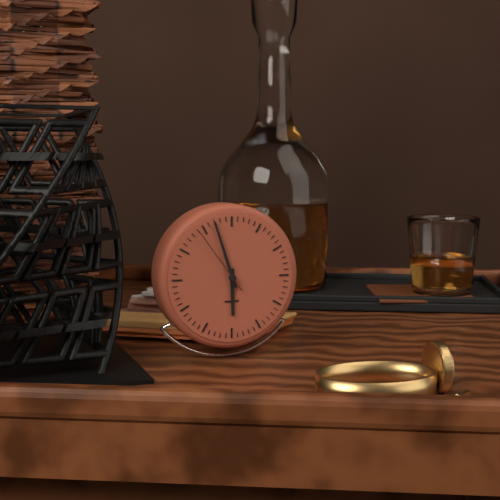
5:57:54
